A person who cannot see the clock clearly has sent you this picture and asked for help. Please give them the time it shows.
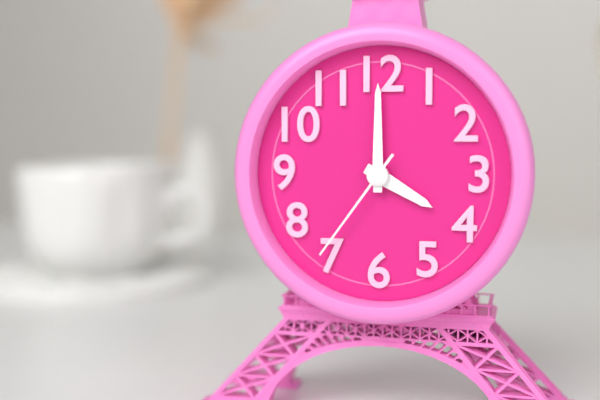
4:00:36
